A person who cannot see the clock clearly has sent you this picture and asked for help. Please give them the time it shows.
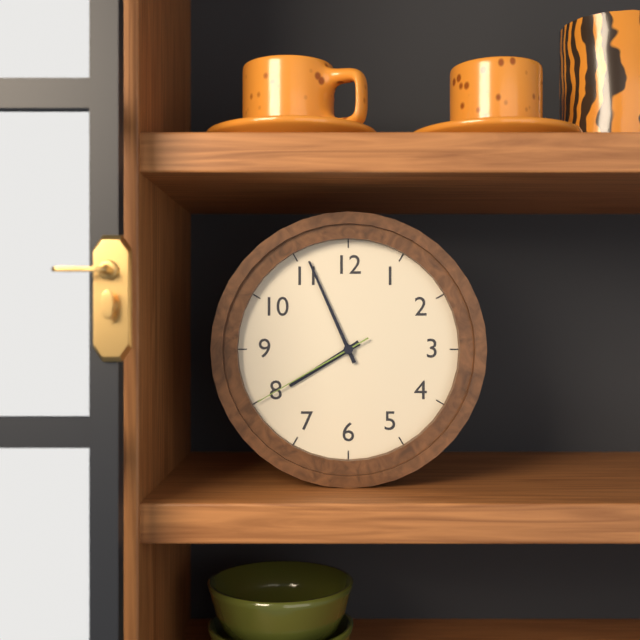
7:56:40
